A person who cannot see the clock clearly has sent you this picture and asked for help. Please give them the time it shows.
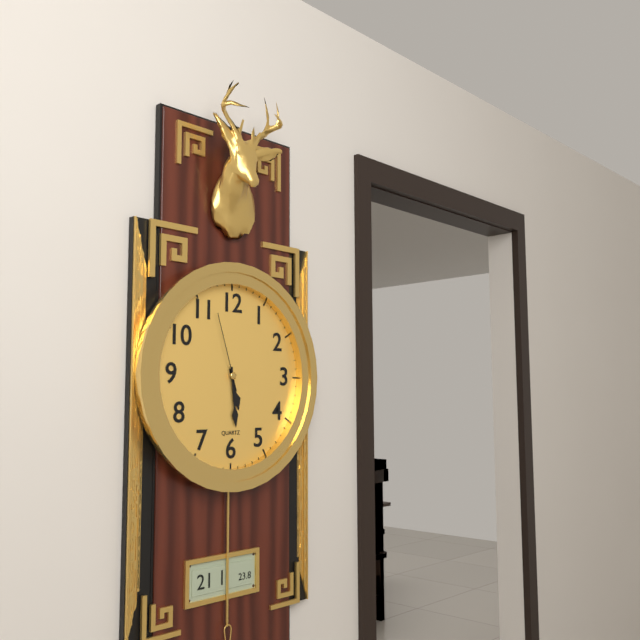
5:29:57
